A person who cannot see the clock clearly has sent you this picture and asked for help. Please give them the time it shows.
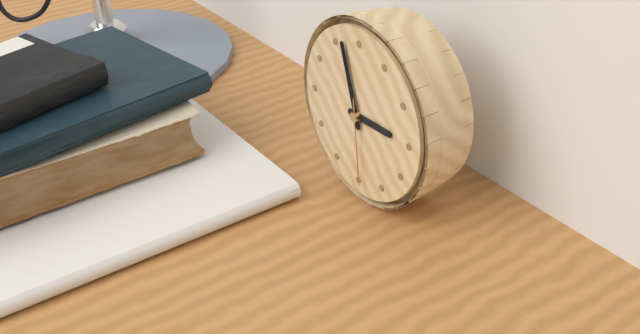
2:57:29
